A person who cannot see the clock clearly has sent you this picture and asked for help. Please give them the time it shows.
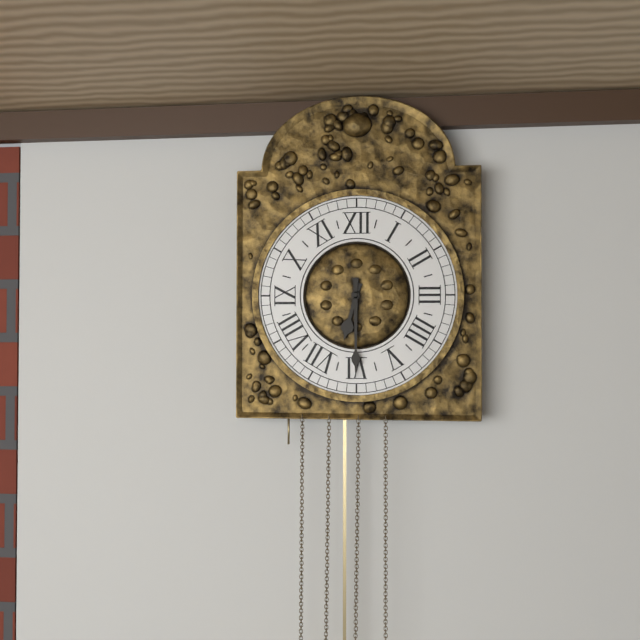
6:30
